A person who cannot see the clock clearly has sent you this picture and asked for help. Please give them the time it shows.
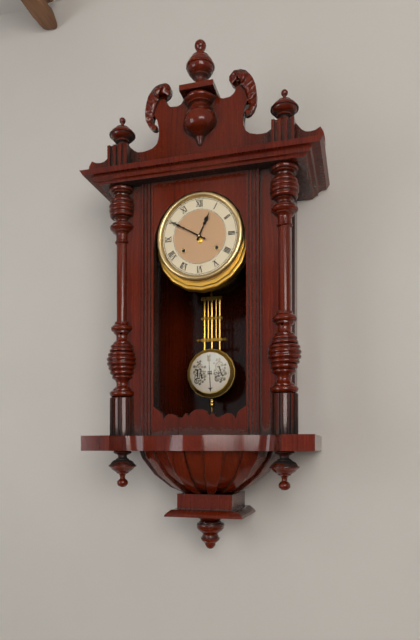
12:50
